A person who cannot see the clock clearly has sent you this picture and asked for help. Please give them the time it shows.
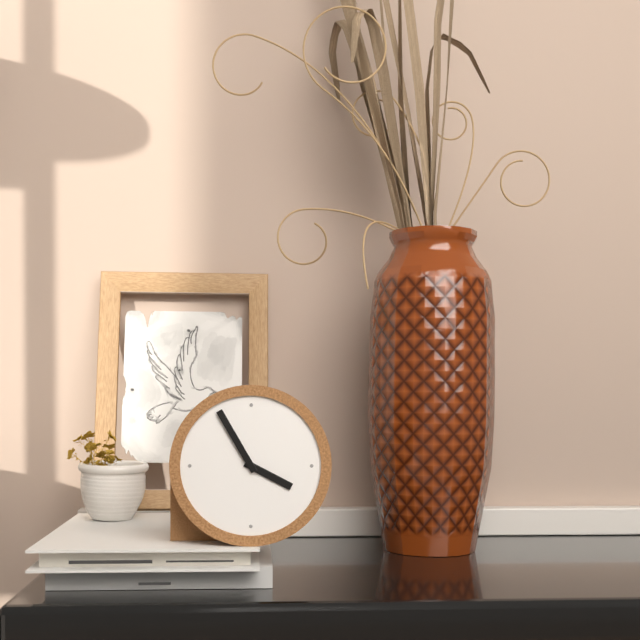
3:55
